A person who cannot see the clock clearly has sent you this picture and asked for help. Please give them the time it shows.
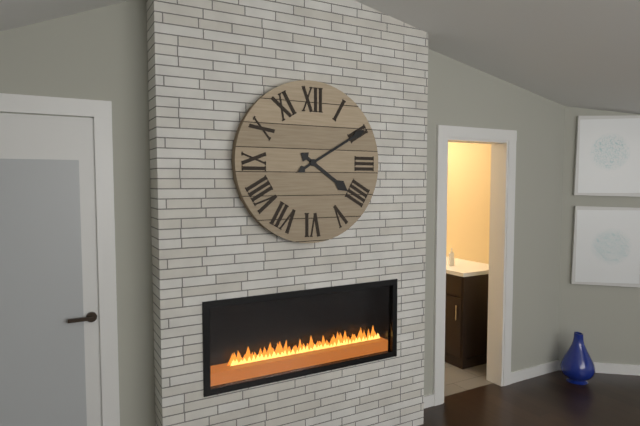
4:10
